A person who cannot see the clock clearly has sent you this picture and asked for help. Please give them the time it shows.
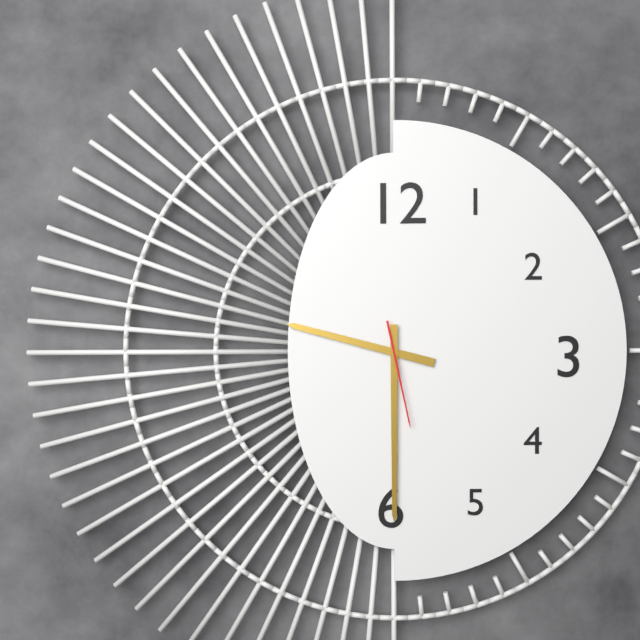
9:30:28
